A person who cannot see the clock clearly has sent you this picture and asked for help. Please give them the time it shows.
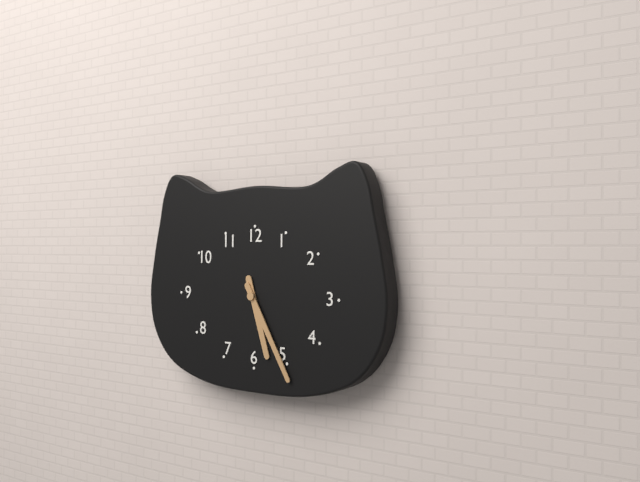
5:25
